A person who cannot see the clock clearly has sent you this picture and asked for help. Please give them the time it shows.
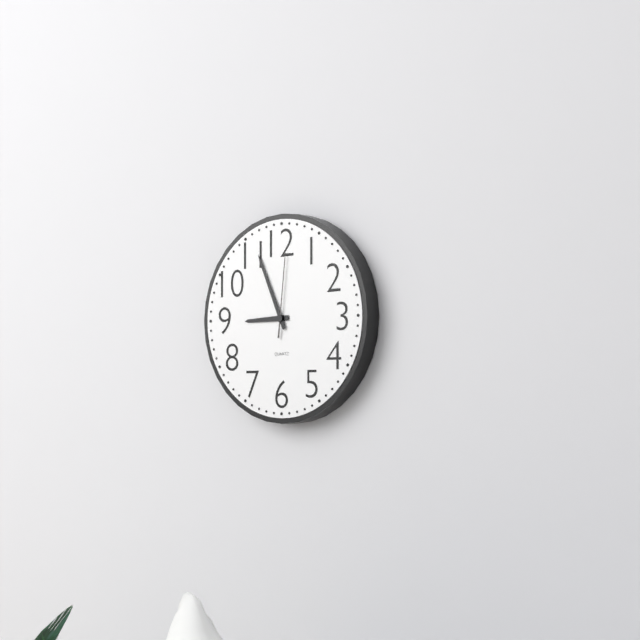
8:56:01
